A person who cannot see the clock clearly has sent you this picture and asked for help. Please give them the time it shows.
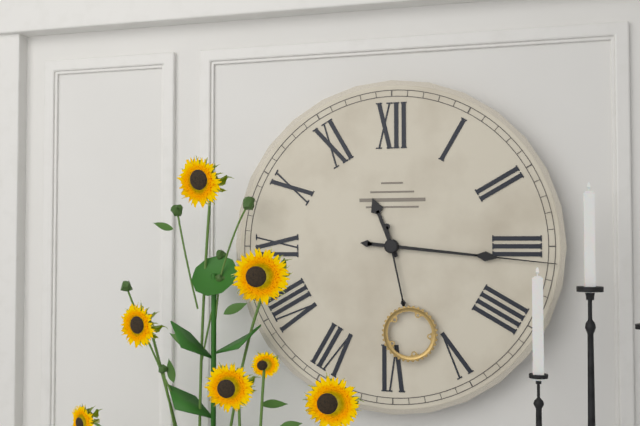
11:16:28
